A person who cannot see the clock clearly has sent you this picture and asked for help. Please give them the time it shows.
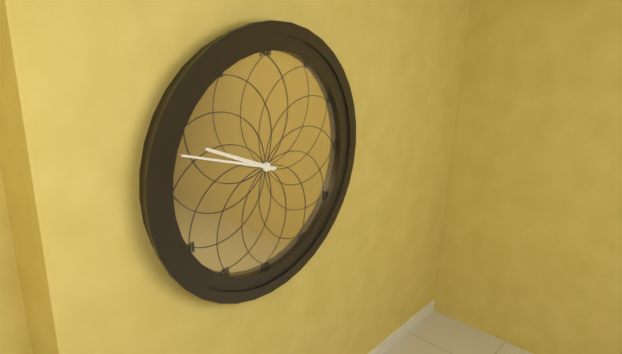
9:48
